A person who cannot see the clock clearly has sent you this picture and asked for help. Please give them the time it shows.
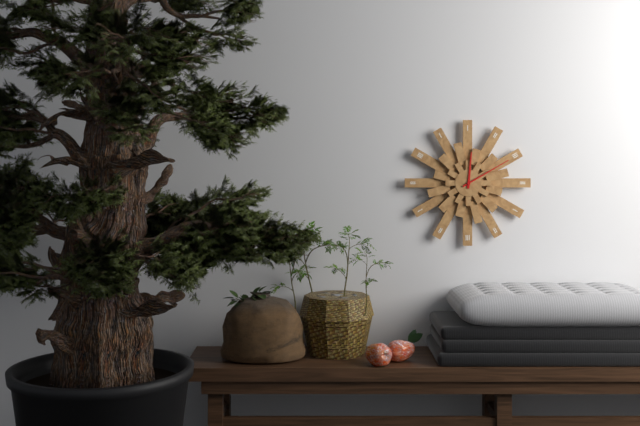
12:10
